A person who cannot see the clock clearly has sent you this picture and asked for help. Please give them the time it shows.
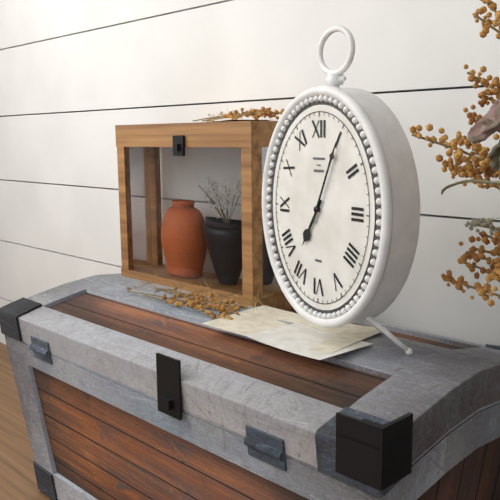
7:04
